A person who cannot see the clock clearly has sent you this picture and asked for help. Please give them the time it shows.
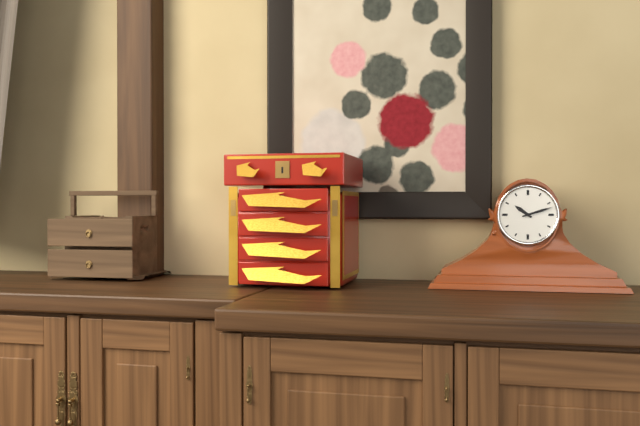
10:12
